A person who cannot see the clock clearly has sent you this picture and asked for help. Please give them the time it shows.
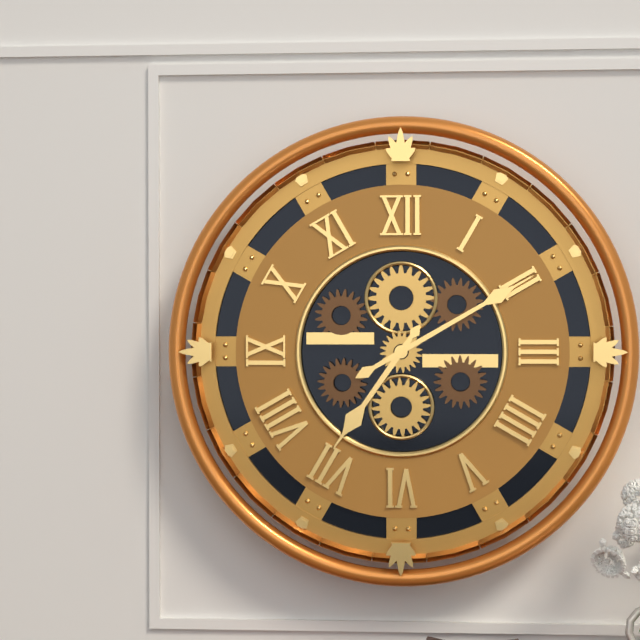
7:10
